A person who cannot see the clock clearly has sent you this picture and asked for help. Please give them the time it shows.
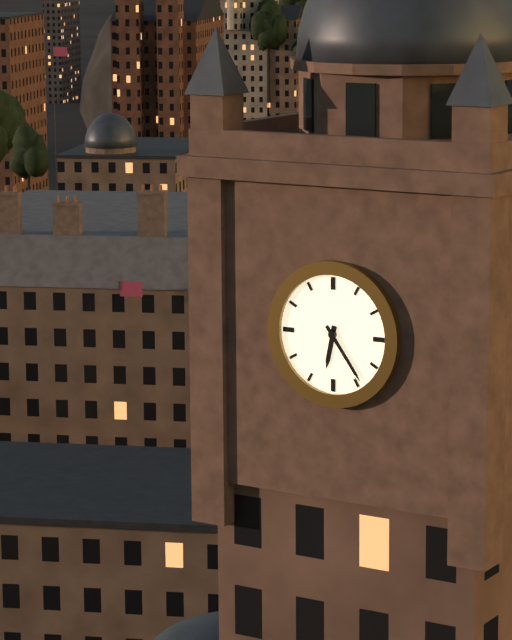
6:24
